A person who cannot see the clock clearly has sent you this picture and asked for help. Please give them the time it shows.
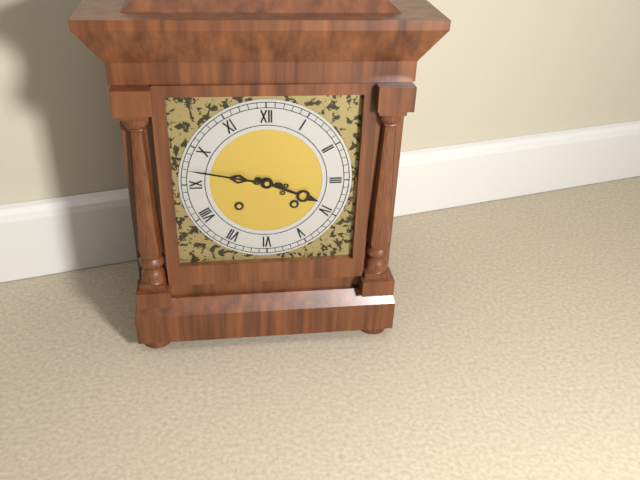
3:47
